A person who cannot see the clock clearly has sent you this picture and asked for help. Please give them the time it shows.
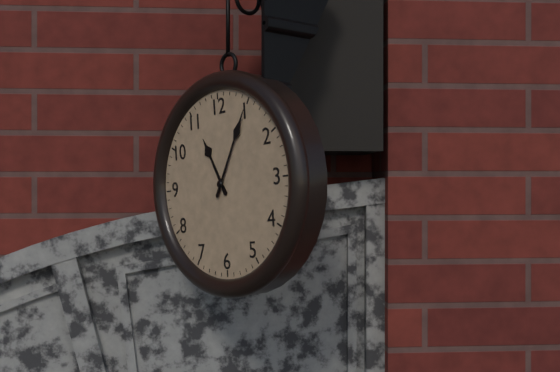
11:05
